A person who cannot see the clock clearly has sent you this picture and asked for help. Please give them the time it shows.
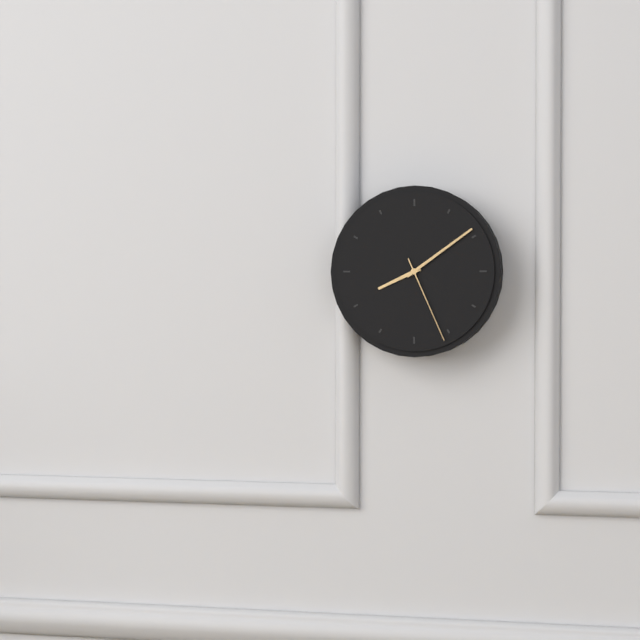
8:09:26
